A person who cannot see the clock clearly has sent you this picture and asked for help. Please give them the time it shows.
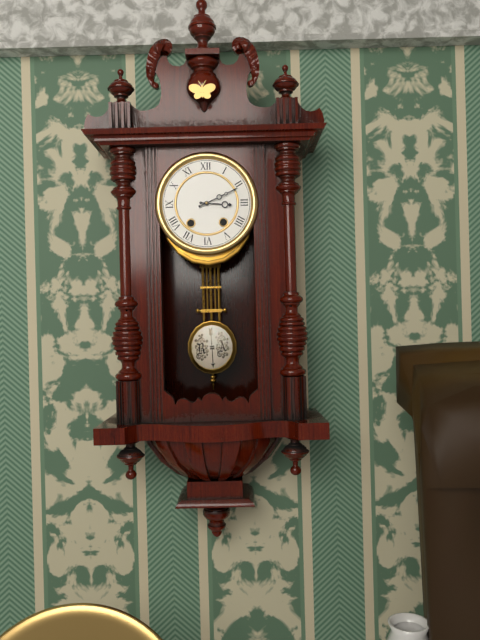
3:11
